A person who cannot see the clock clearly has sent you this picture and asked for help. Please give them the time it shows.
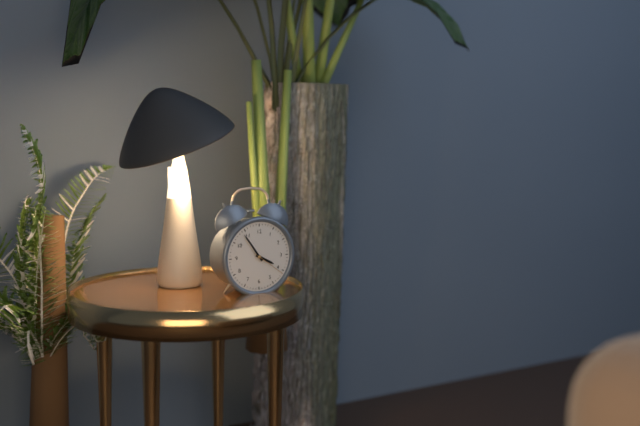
3:54
